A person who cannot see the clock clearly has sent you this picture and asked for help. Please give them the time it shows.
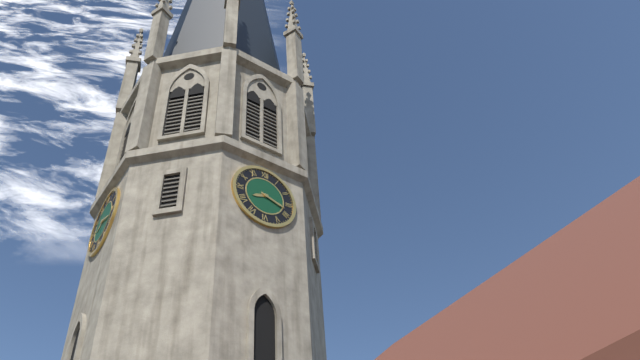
8:18
